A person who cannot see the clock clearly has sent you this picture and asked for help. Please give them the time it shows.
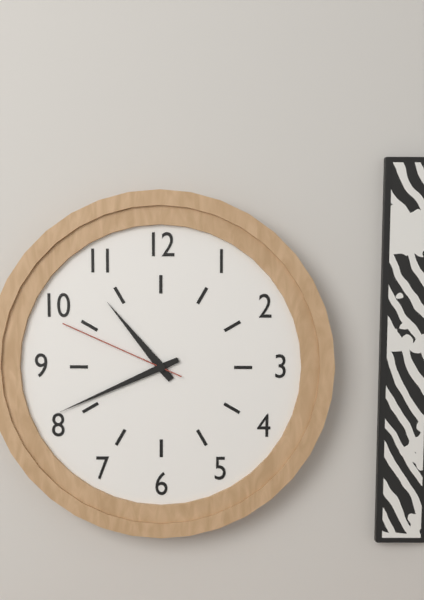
10:41:49
